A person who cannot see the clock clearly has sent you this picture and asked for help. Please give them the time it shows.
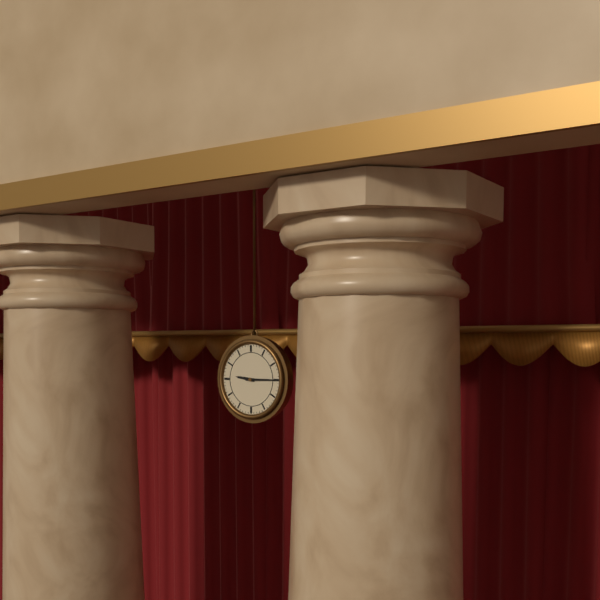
9:15
